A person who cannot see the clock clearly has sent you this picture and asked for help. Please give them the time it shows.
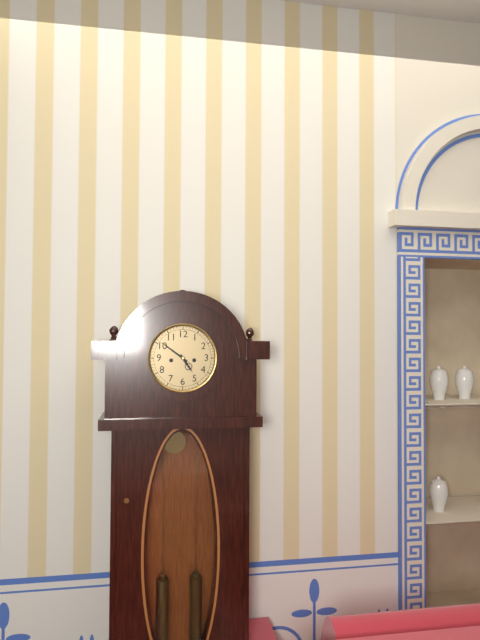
4:51
